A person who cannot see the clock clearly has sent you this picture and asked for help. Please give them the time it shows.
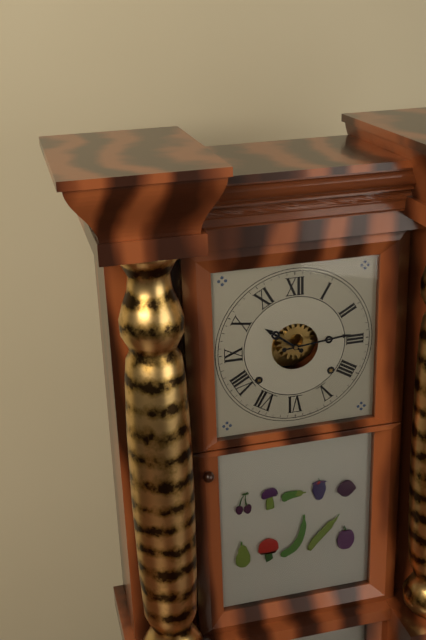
10:14
